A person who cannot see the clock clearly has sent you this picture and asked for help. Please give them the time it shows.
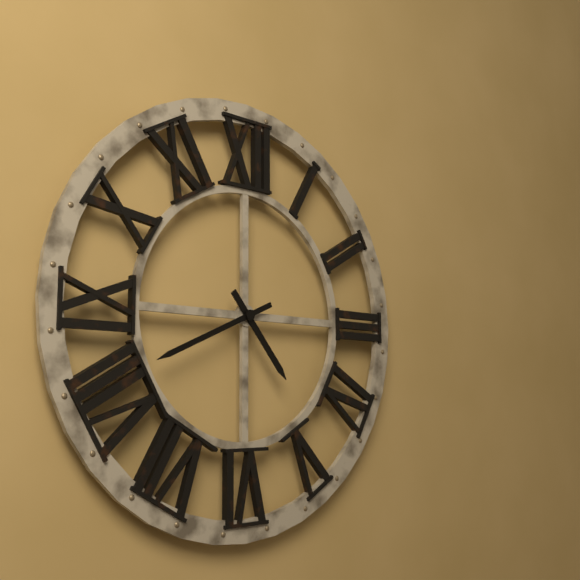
4:41
